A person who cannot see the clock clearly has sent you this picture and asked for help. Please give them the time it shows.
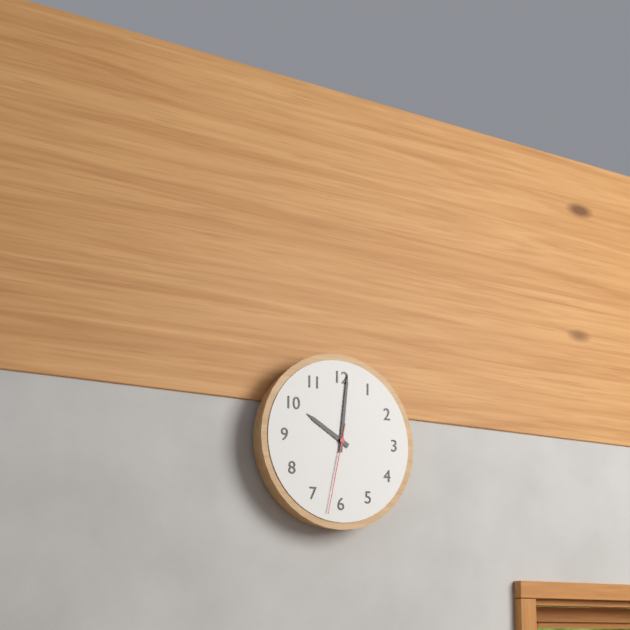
10:01:32
